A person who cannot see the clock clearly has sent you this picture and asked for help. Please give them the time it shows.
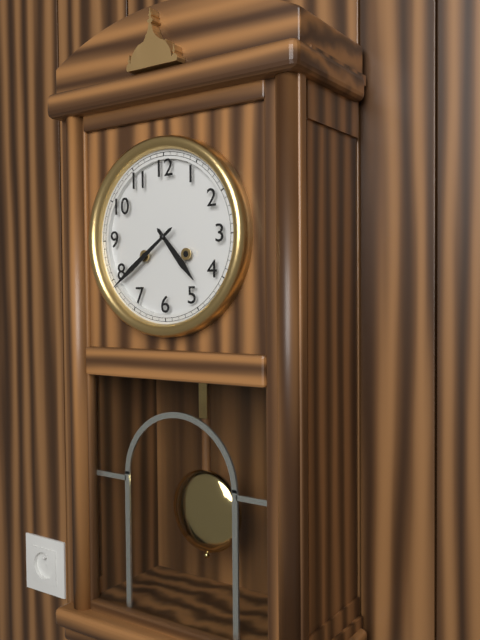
4:39
